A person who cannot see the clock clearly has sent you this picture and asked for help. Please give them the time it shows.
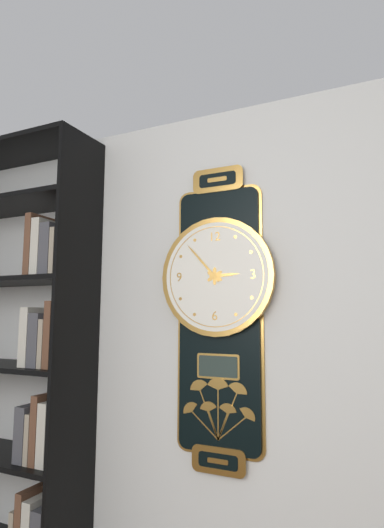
2:53
